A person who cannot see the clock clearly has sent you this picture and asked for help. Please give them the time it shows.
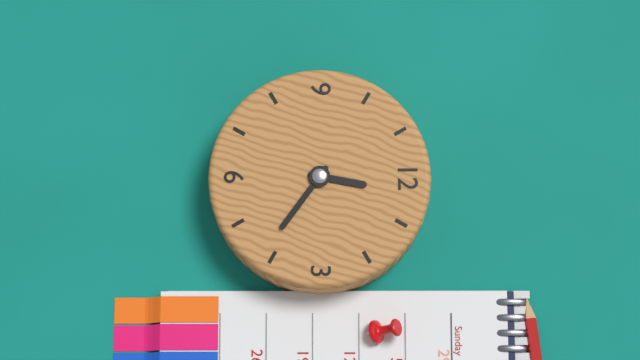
12:21
